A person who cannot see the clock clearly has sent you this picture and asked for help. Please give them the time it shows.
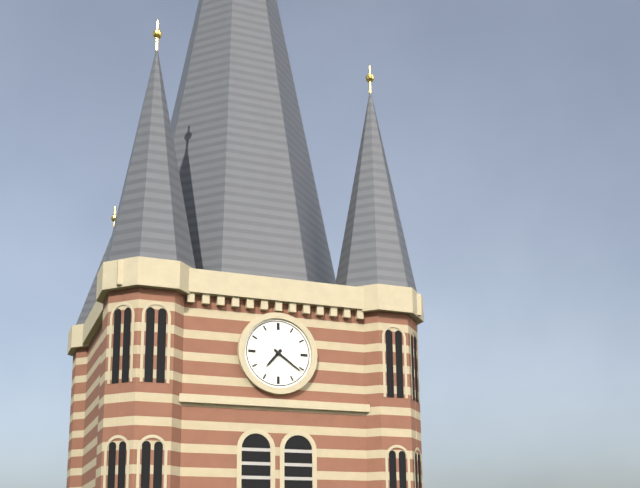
7:21
